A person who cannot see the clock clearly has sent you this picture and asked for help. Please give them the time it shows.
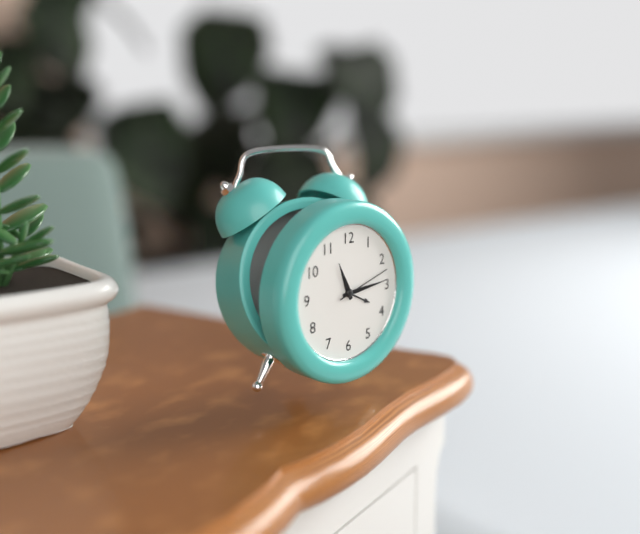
11:14:12
